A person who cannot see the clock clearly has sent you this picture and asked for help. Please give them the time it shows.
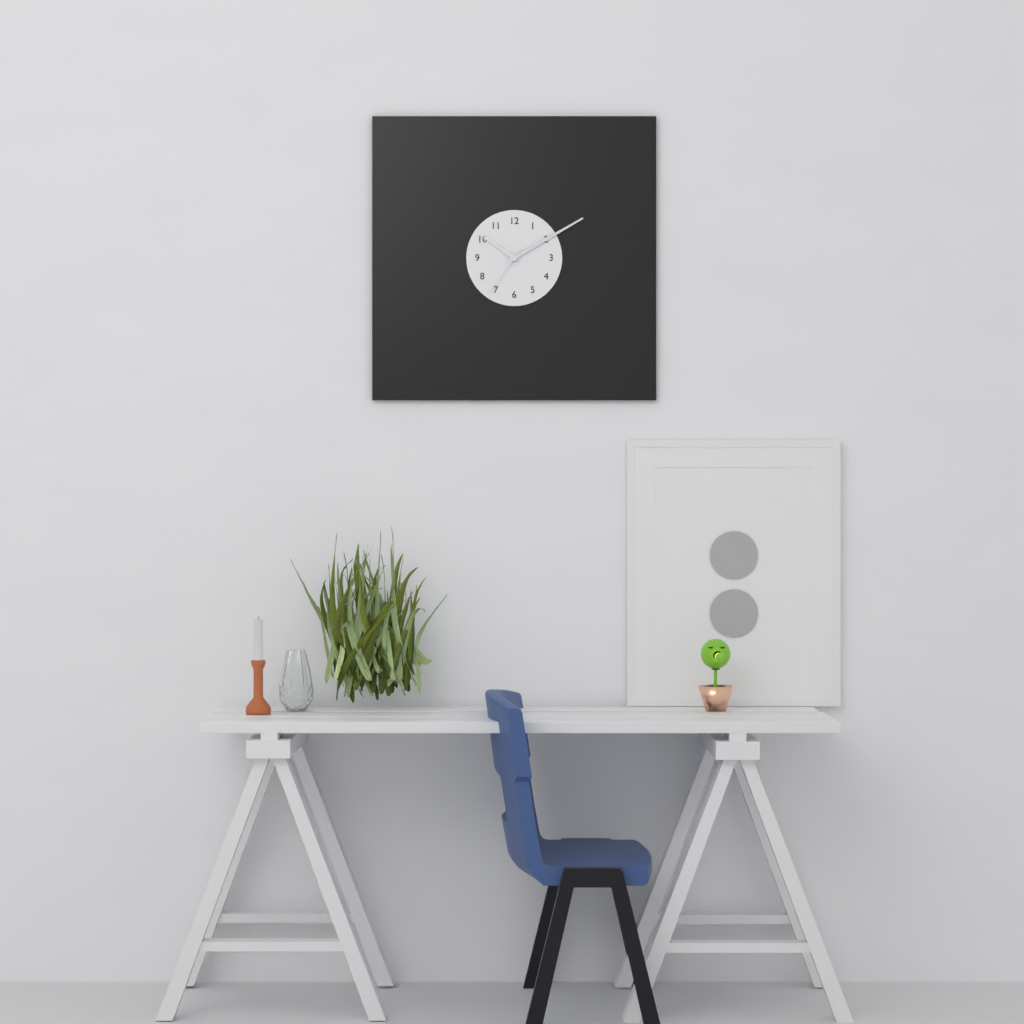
10:10:36
